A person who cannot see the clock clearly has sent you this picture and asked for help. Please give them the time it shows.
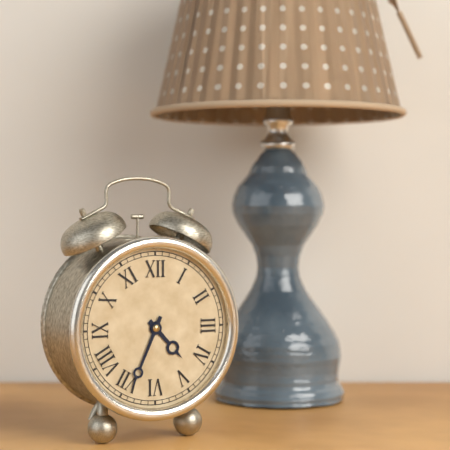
4:34
